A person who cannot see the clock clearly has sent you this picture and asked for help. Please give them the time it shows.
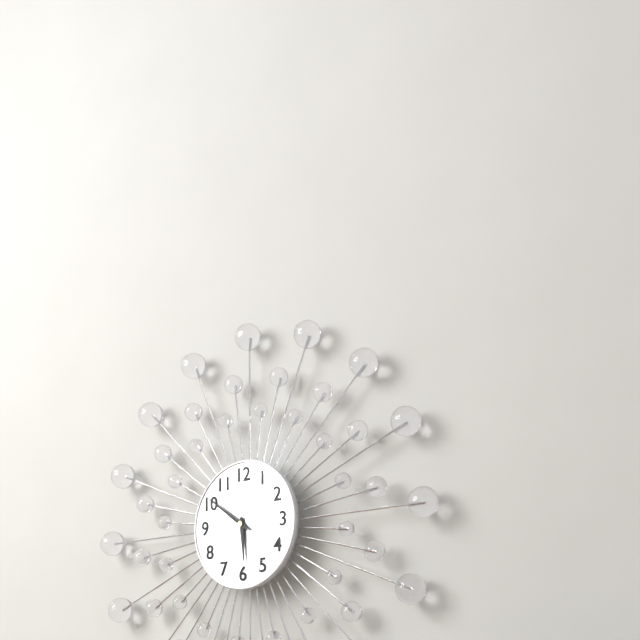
5:51
